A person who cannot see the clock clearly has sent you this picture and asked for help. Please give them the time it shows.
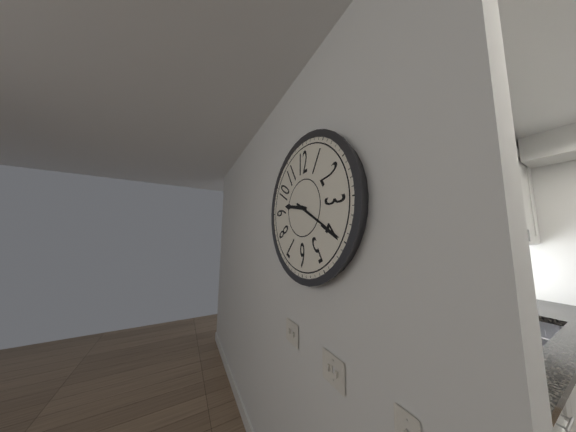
9:20
